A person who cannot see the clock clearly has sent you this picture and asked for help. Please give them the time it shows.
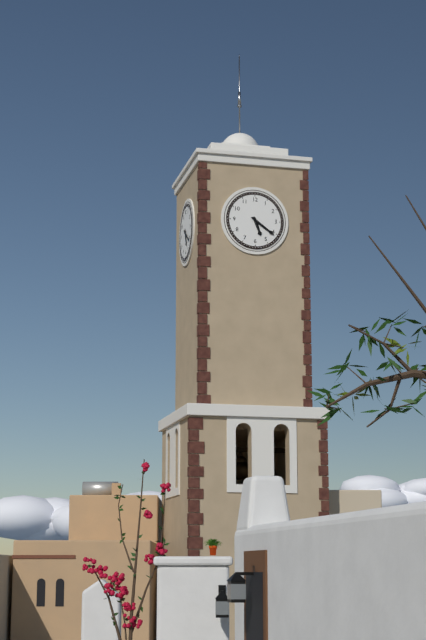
5:21
